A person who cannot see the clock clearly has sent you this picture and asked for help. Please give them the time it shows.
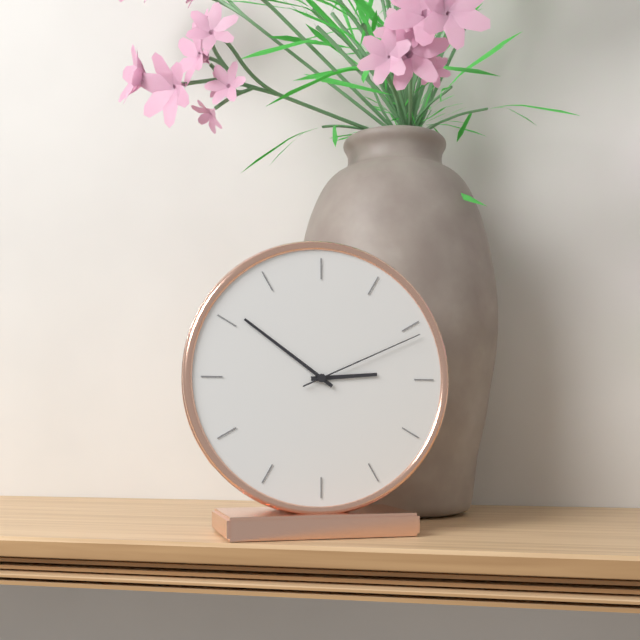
2:51:11
